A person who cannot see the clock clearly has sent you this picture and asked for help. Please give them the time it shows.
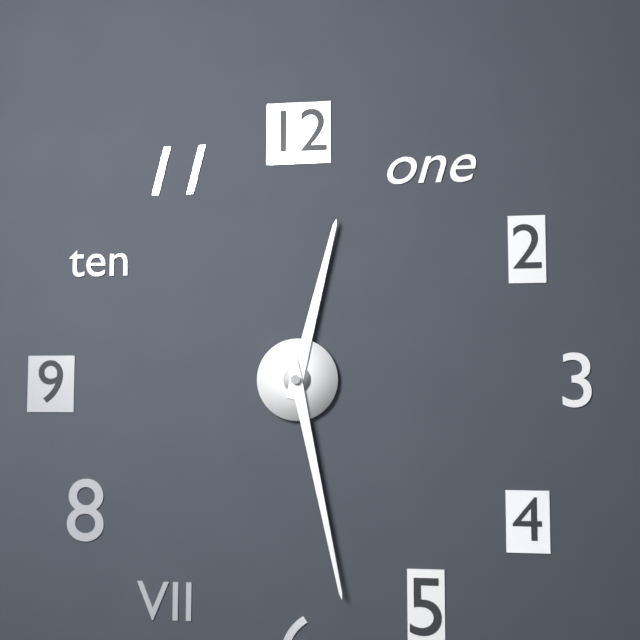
12:28
